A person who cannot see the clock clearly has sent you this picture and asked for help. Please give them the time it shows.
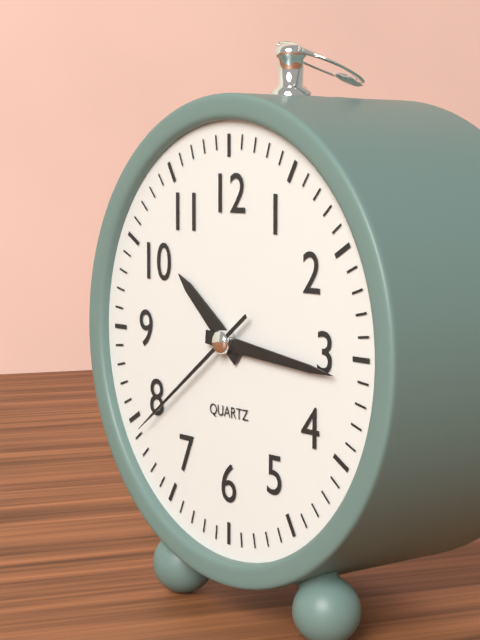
10:16:39
